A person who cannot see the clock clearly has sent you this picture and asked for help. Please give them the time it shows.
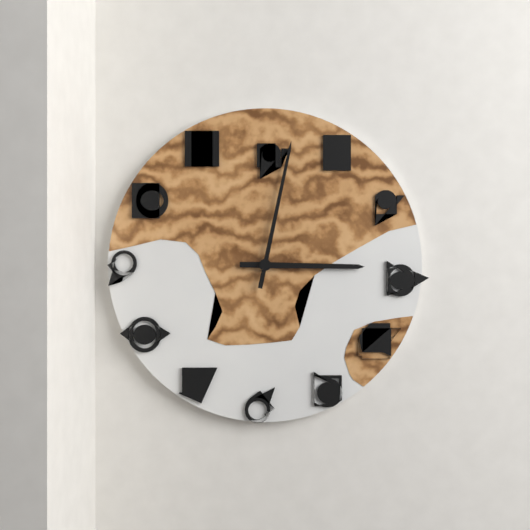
3:02
